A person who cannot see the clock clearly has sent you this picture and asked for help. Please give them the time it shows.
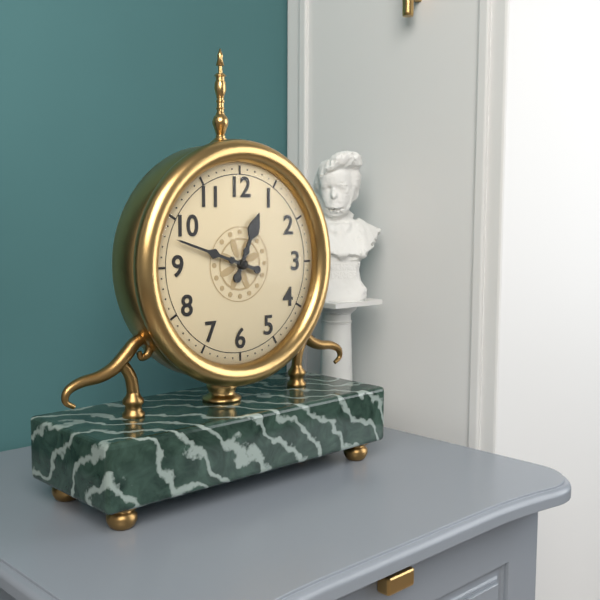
12:48
